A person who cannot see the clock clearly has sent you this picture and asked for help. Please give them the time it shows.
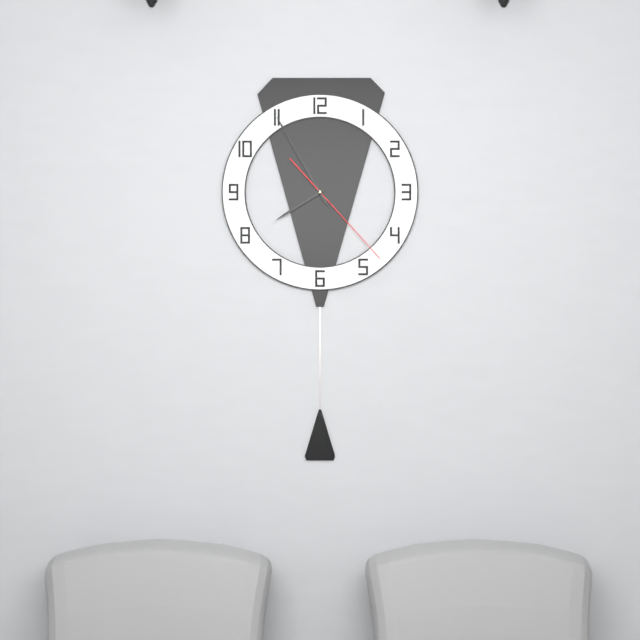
7:55:23
